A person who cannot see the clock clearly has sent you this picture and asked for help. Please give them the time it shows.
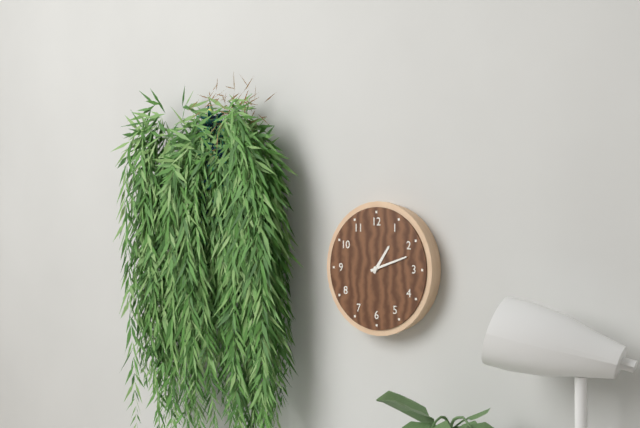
1:12
